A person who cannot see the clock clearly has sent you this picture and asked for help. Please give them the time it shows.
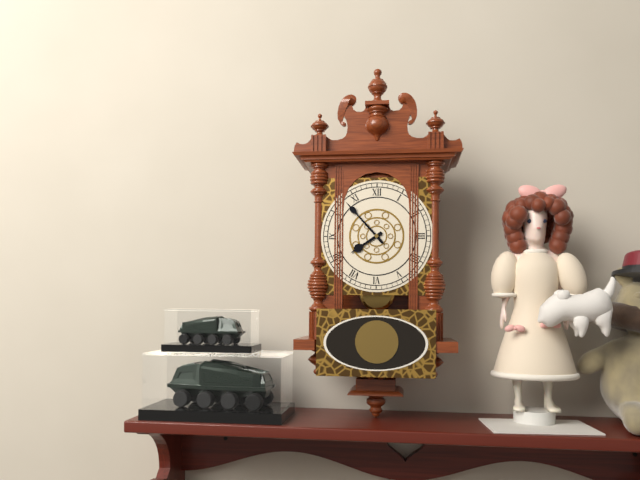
7:53
